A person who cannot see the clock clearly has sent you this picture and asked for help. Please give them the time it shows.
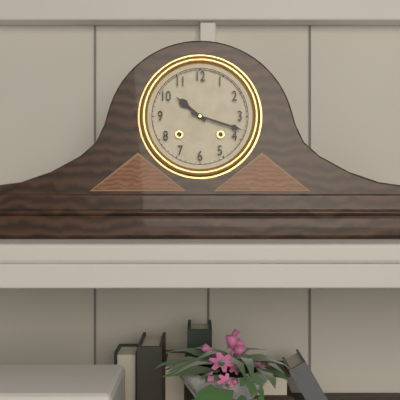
10:18
